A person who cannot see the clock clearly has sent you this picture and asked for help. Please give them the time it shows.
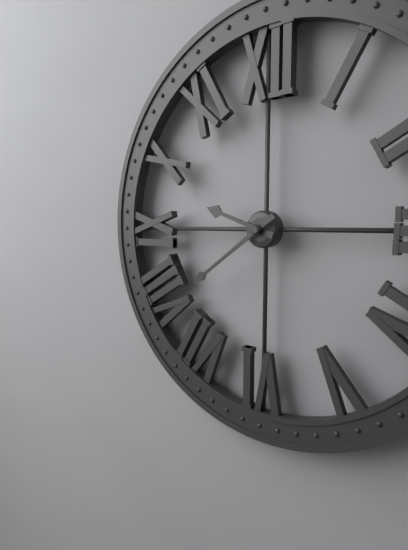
9:39
